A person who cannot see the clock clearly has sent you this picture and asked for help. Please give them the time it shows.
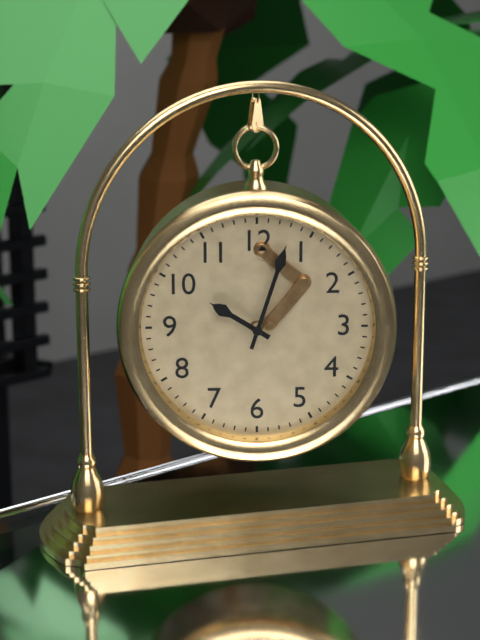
10:03
